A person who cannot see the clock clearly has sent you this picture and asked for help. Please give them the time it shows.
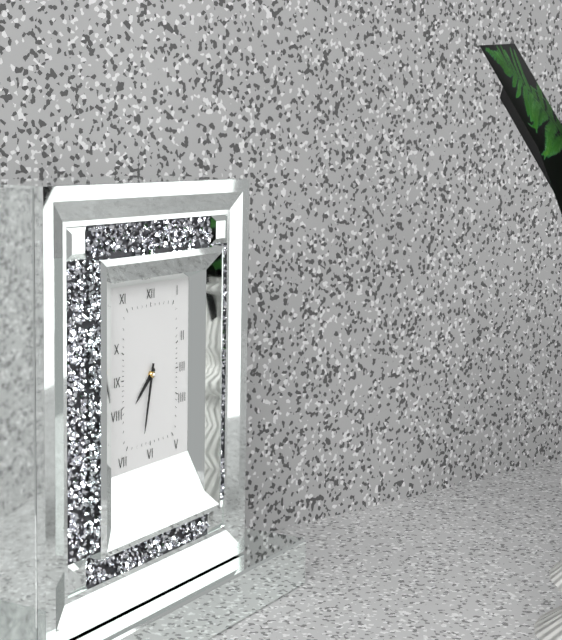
7:32
